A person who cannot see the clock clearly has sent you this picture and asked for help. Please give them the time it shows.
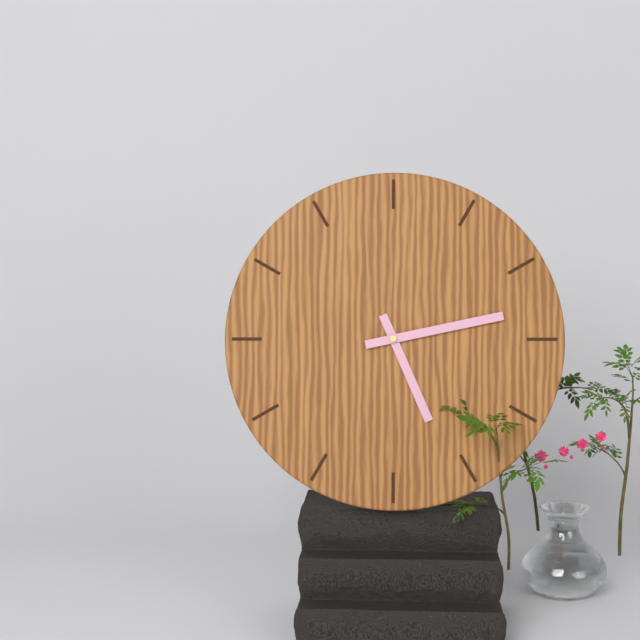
5:13
